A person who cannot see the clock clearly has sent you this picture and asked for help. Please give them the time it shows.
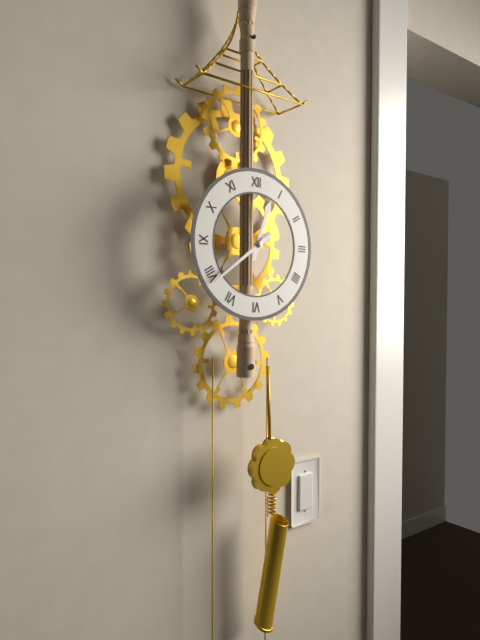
12:39
